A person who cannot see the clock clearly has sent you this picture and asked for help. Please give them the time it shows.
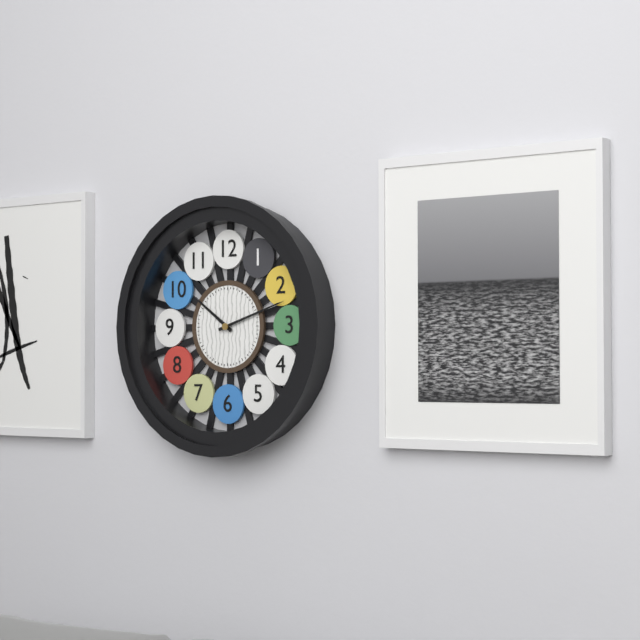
10:12
